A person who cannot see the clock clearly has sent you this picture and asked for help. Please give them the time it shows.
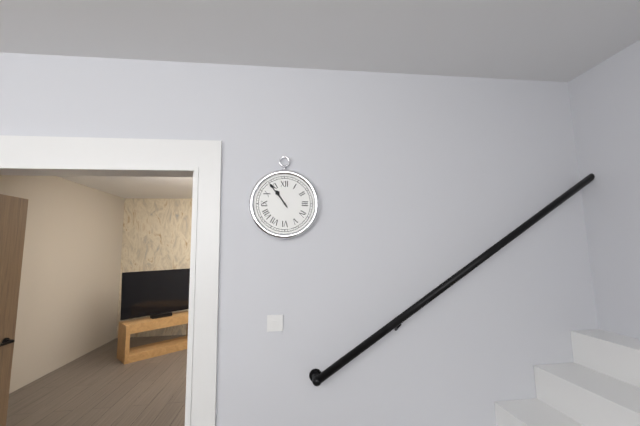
10:54
